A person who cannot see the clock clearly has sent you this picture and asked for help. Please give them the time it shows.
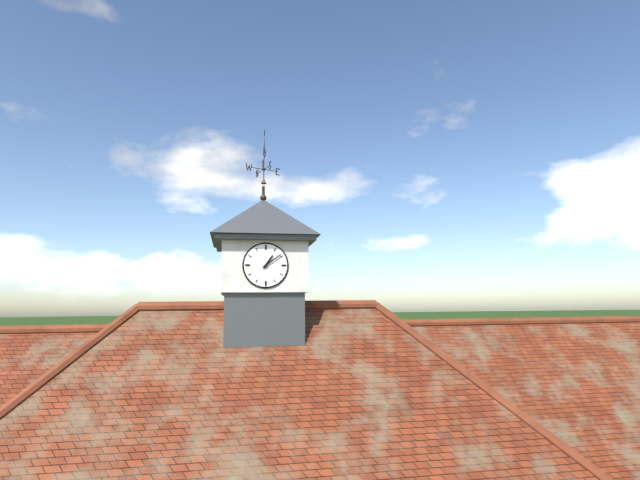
1:09
